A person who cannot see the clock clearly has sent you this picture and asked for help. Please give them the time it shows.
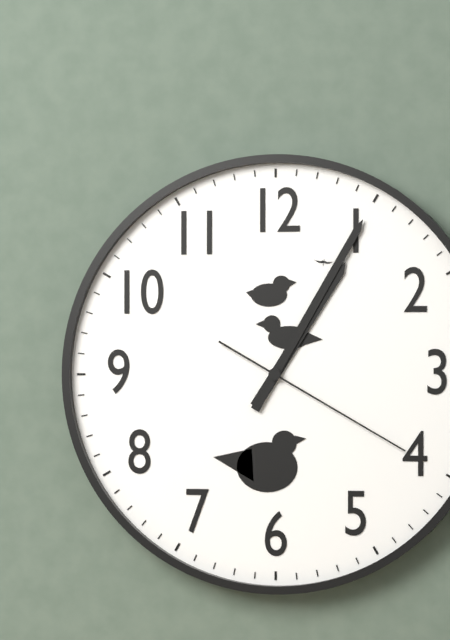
1:05:20
